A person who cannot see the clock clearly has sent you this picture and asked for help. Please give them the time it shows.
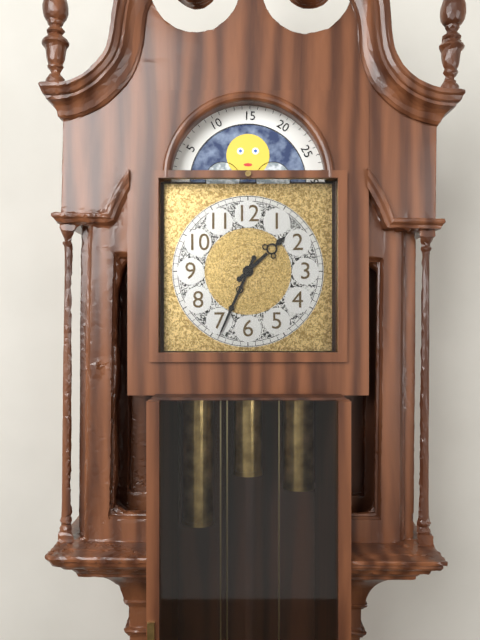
1:34
